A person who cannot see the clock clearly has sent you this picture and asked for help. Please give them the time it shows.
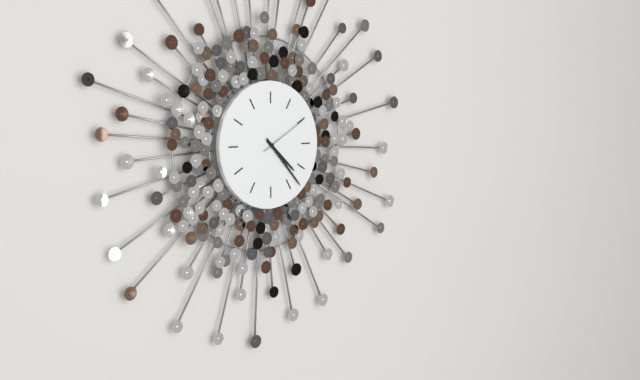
4:23:10
